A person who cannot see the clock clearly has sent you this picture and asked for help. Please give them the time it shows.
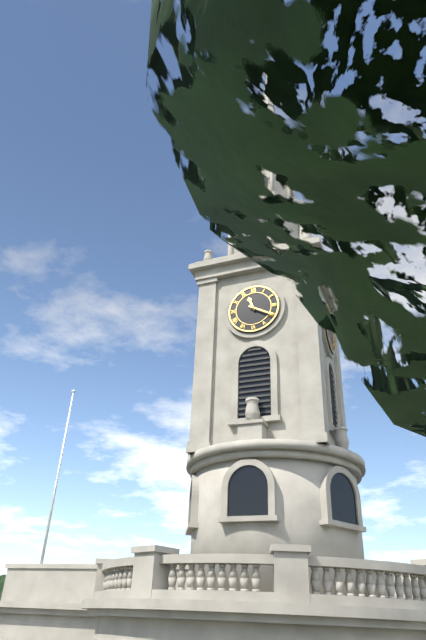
11:20
